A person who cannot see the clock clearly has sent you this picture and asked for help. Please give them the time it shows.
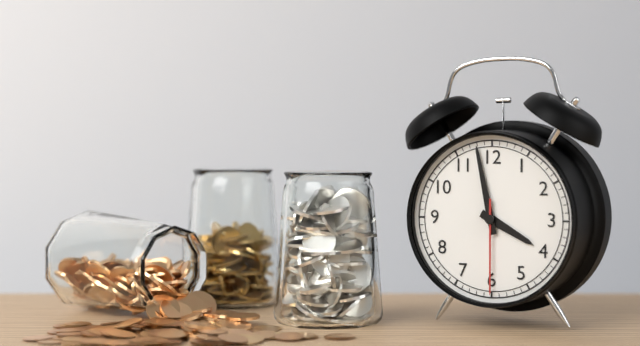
3:58:30
